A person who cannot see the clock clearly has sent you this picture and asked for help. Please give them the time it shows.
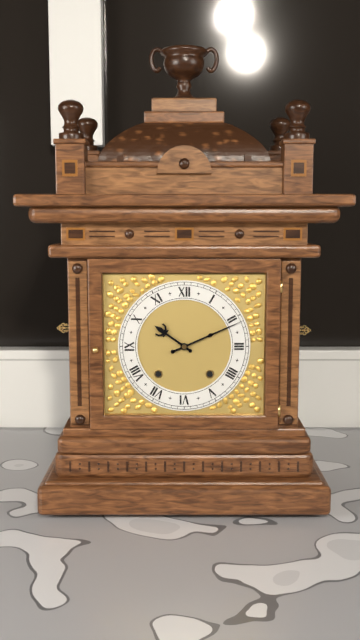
10:11
